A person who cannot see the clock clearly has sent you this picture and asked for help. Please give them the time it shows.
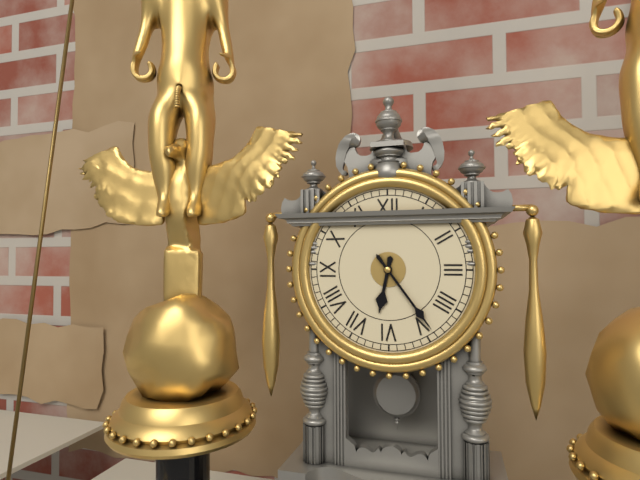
6:24
